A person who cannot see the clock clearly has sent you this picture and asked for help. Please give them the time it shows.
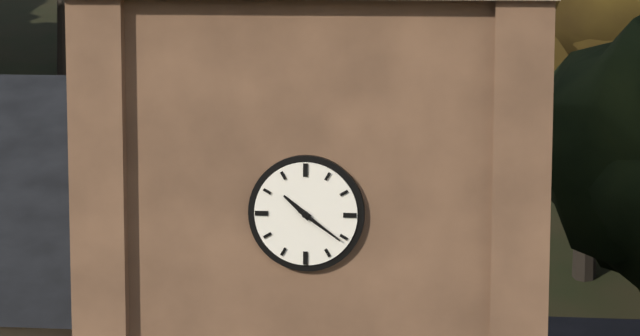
10:21
